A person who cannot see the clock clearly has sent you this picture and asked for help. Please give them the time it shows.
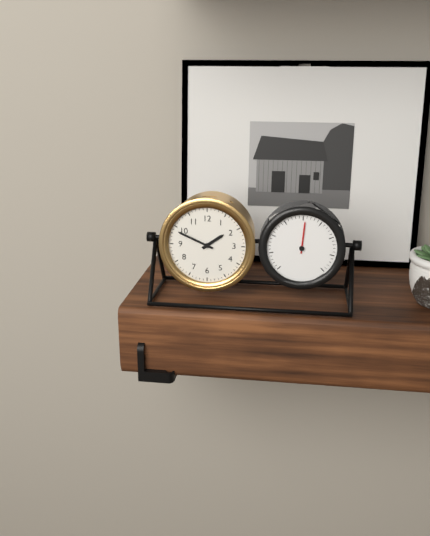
1:49
